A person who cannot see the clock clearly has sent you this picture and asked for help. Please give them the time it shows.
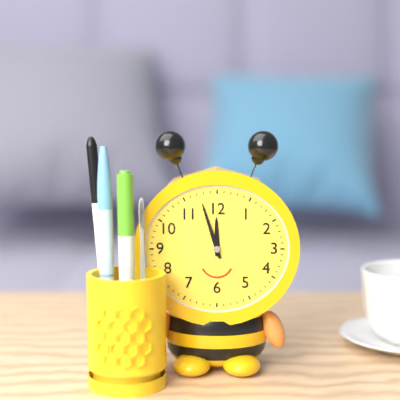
11:57
